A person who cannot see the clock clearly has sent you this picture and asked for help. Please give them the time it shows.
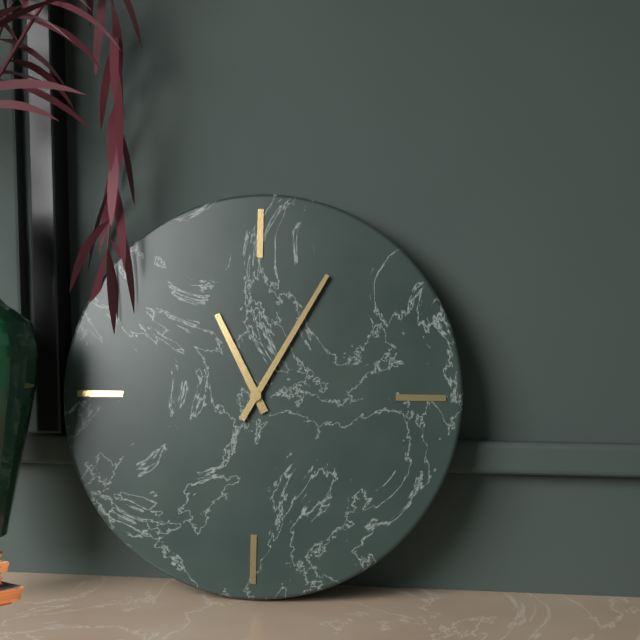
11:05
